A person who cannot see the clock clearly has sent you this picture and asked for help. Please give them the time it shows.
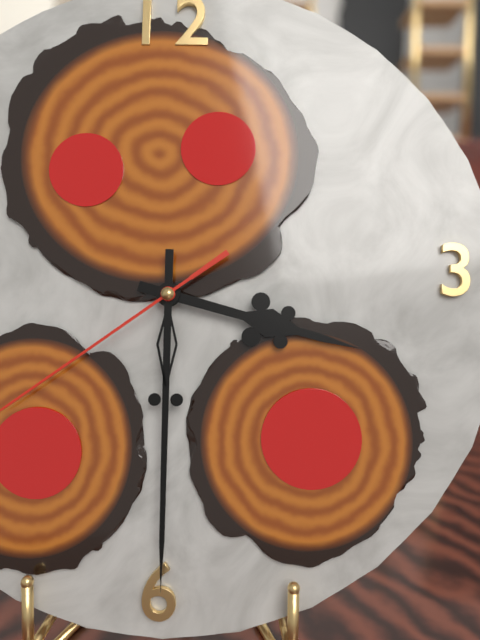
3:30
